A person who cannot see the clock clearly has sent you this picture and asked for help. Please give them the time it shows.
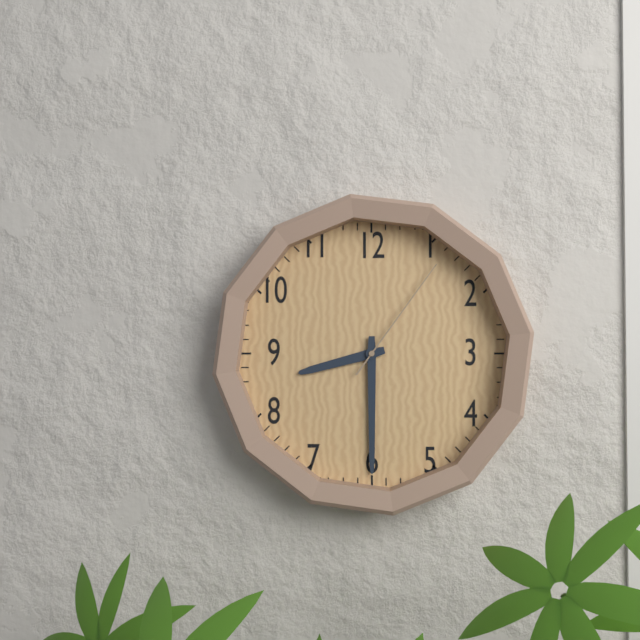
8:30:06
